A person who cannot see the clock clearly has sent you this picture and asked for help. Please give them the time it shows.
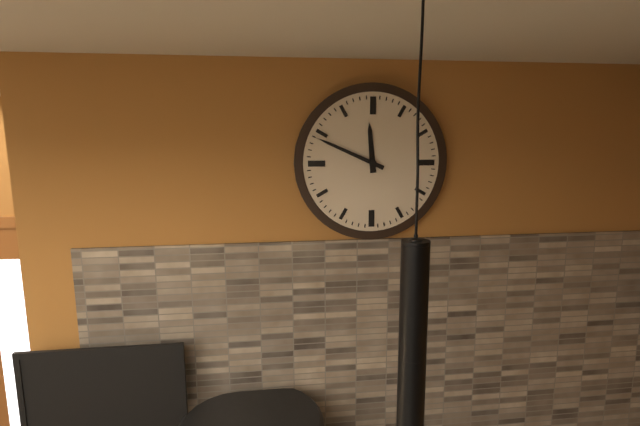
11:49
